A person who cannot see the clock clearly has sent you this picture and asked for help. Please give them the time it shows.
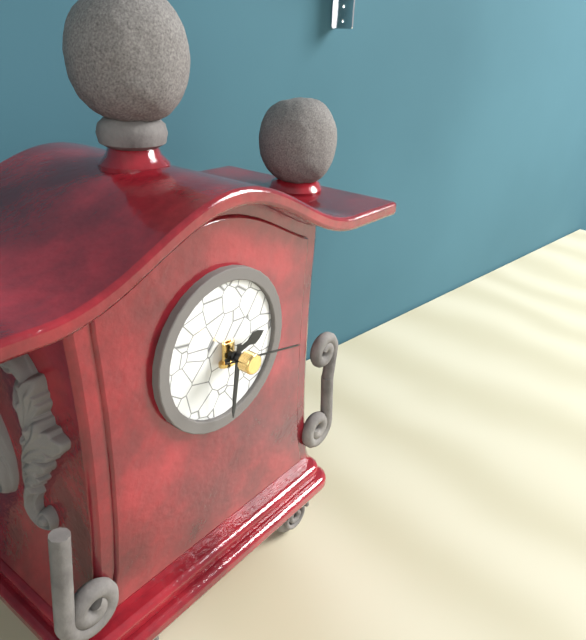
2:31:17
